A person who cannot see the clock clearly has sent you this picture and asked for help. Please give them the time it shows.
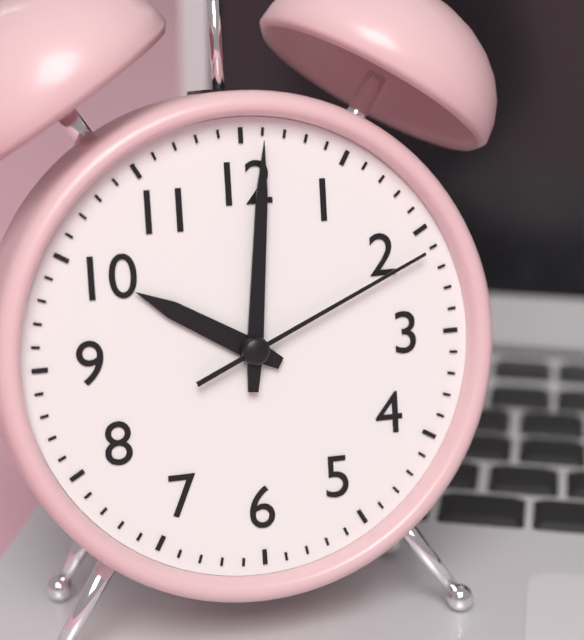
10:01:11
